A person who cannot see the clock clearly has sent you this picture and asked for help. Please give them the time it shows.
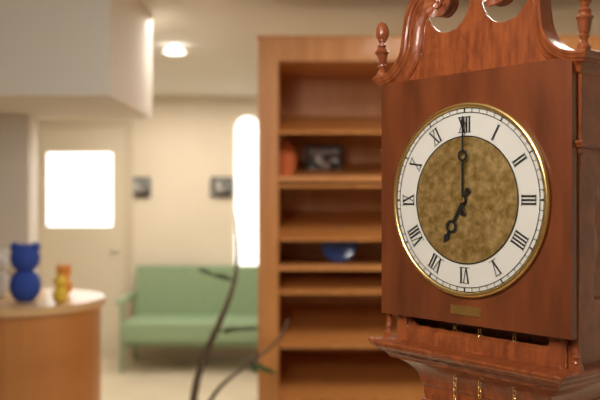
7:00
